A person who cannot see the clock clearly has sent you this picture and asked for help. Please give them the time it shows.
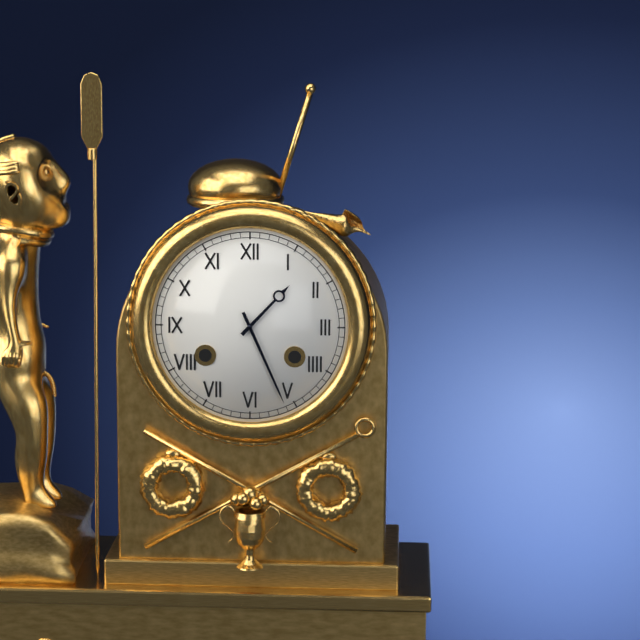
1:26
